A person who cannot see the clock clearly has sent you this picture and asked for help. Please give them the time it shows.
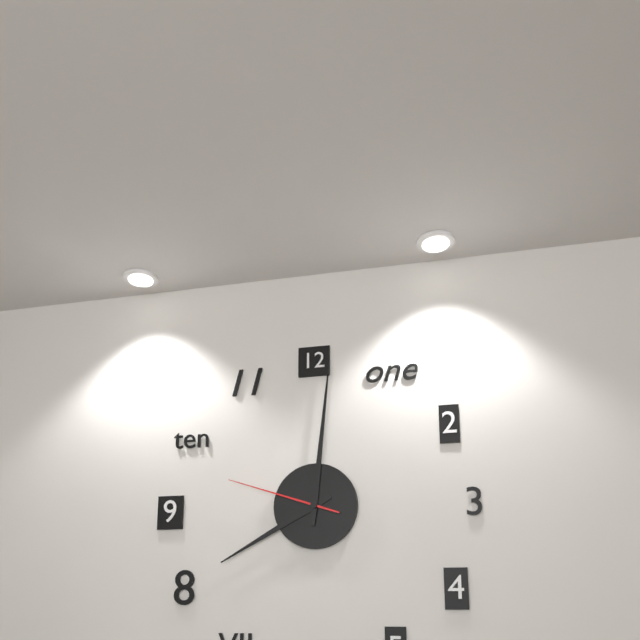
8:01:48
